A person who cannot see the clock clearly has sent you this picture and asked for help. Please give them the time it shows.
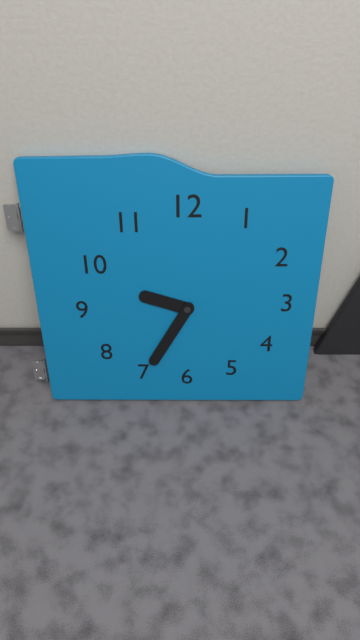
9:35
